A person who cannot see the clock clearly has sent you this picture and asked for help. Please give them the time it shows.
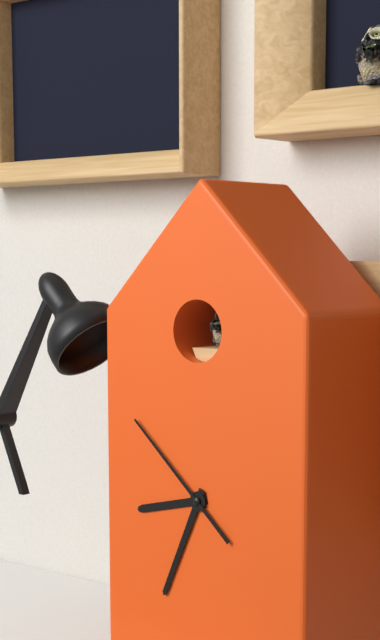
8:34:52
